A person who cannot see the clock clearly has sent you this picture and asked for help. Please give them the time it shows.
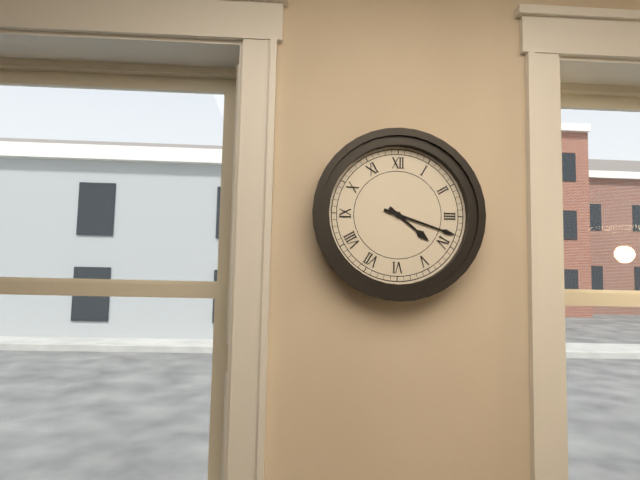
4:18
